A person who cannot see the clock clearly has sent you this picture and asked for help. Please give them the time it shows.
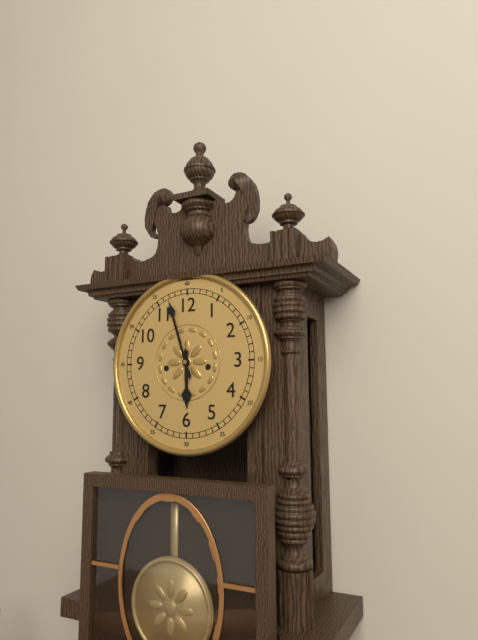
5:57
